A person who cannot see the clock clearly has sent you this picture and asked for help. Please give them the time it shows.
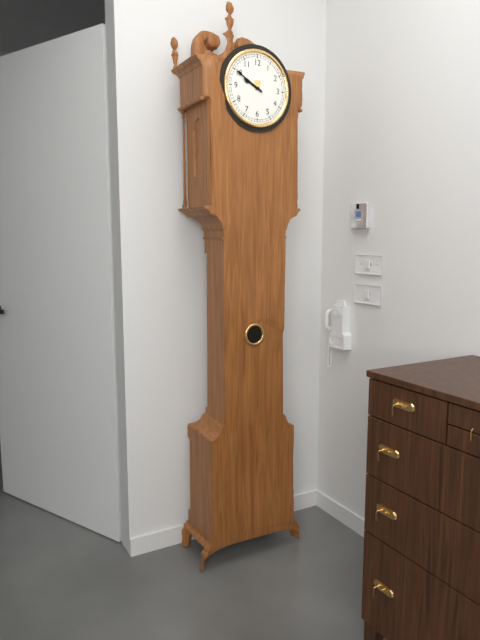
9:50
